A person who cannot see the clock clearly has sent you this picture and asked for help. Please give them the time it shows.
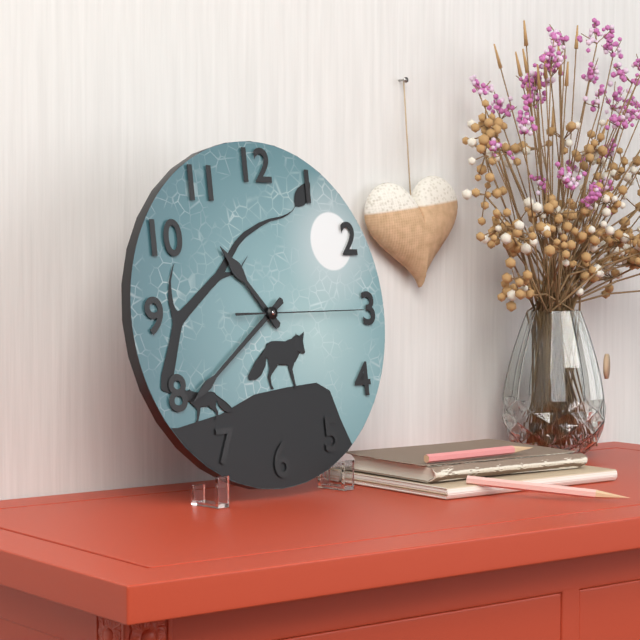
10:39:15
